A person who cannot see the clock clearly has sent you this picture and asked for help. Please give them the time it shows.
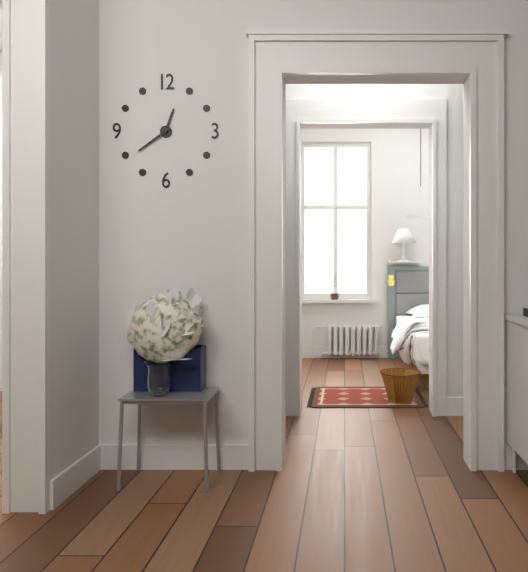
12:39
